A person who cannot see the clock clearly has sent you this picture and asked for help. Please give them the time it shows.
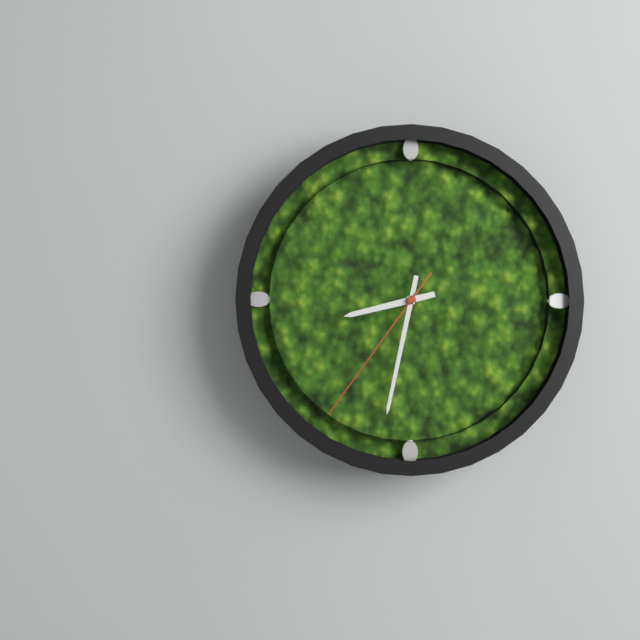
8:32:36
